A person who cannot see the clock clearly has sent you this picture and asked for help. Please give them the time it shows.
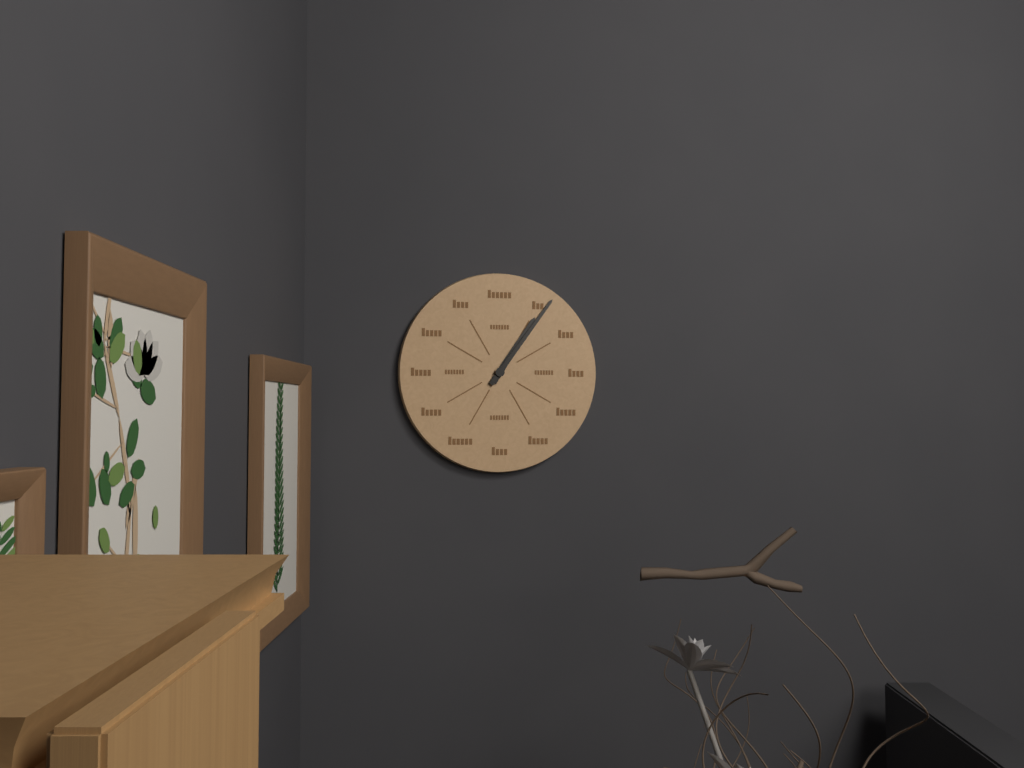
1:06
